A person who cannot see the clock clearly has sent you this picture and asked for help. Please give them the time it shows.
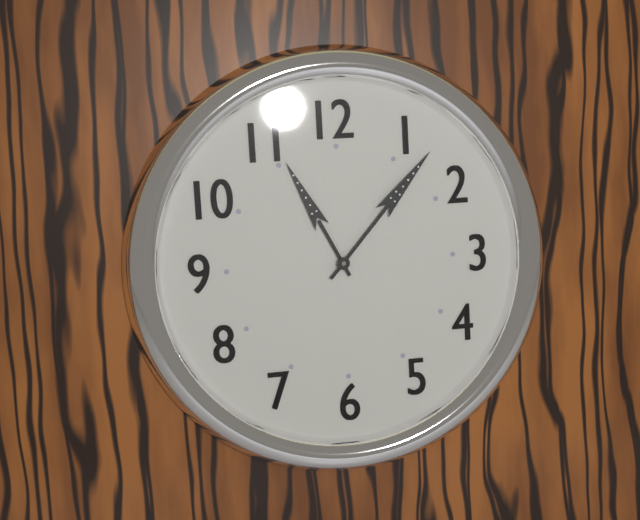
11:07
